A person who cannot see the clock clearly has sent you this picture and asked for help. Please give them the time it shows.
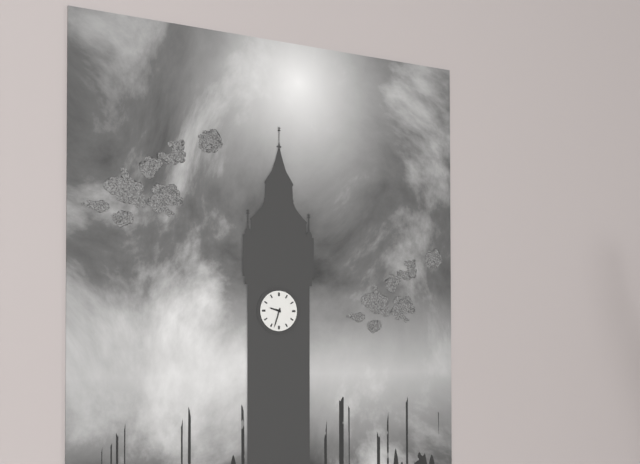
9:33
